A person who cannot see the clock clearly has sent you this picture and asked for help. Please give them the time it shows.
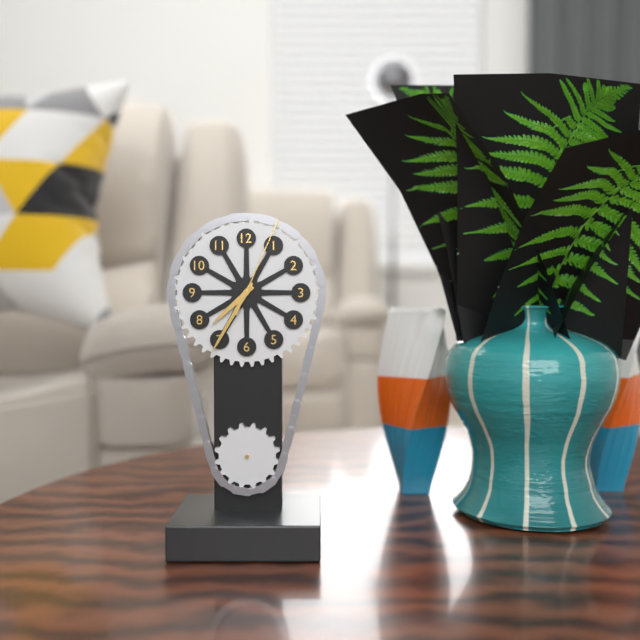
7:35:04
